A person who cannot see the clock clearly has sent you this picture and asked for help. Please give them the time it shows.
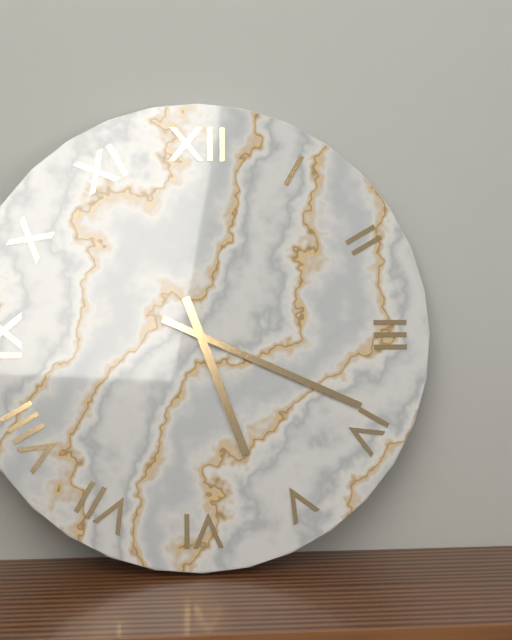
5:19
